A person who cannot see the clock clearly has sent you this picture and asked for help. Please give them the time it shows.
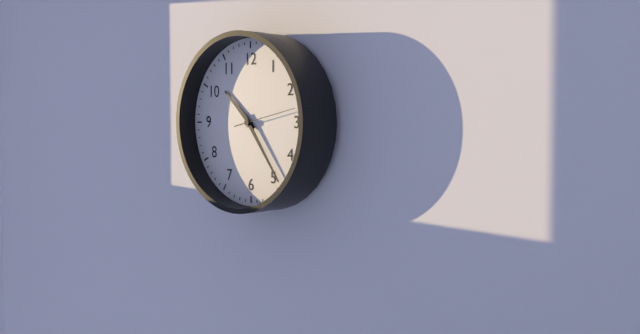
10:24
